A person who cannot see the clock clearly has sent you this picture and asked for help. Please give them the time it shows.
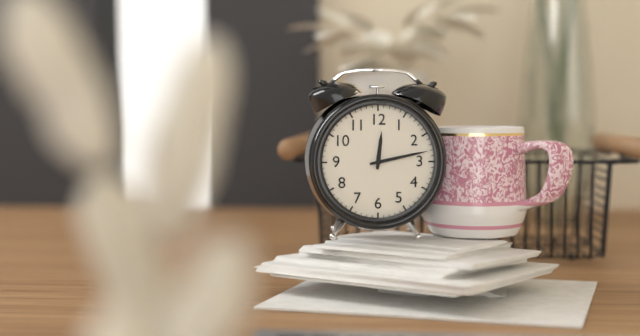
12:13
